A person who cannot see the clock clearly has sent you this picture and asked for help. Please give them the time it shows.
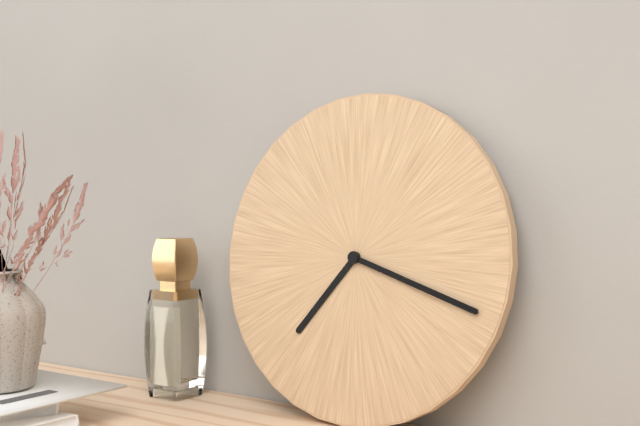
7:18
